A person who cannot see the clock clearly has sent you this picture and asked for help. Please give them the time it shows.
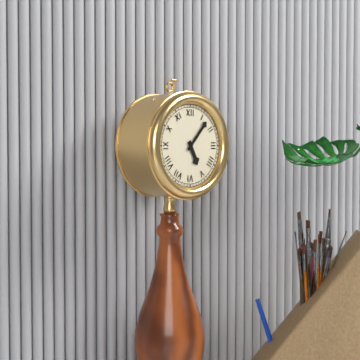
5:07
